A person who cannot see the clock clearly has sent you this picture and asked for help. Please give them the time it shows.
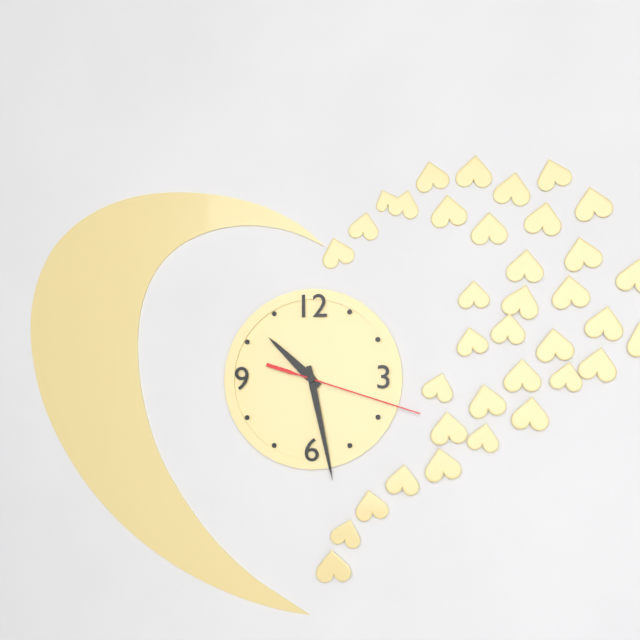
10:28:18
